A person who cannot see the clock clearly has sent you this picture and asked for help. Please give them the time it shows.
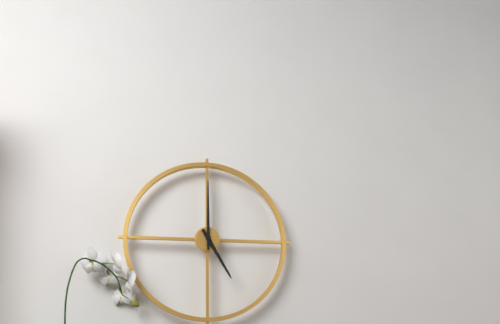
5:00
